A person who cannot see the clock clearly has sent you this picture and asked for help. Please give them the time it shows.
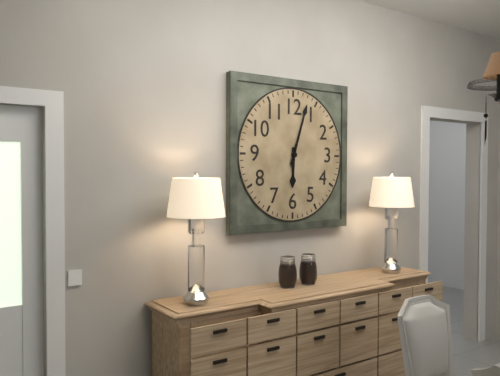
6:03
